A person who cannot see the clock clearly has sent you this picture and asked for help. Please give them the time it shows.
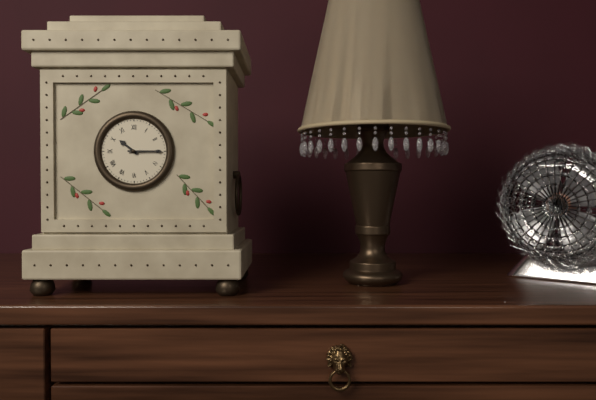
10:15
